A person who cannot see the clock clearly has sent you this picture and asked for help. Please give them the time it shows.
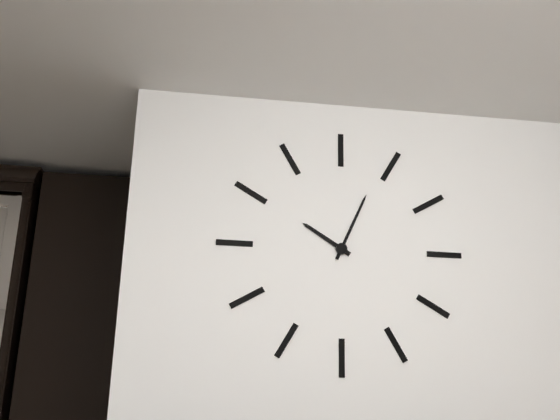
10:04
